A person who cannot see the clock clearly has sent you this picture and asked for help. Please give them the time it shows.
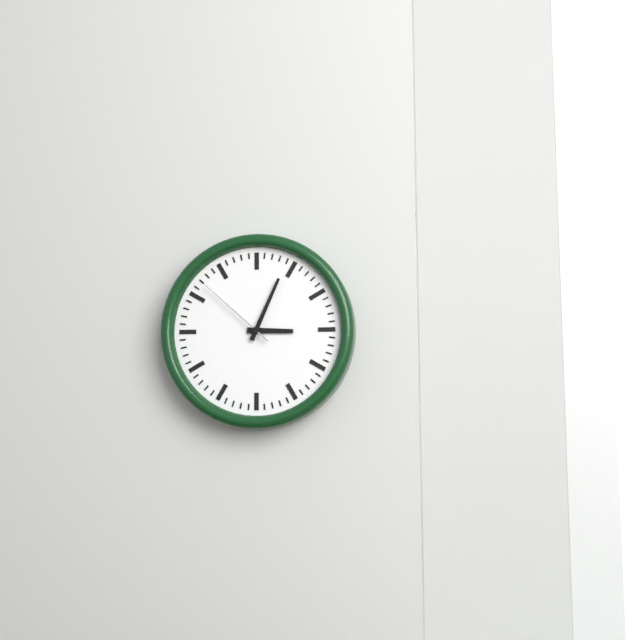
3:04:52
